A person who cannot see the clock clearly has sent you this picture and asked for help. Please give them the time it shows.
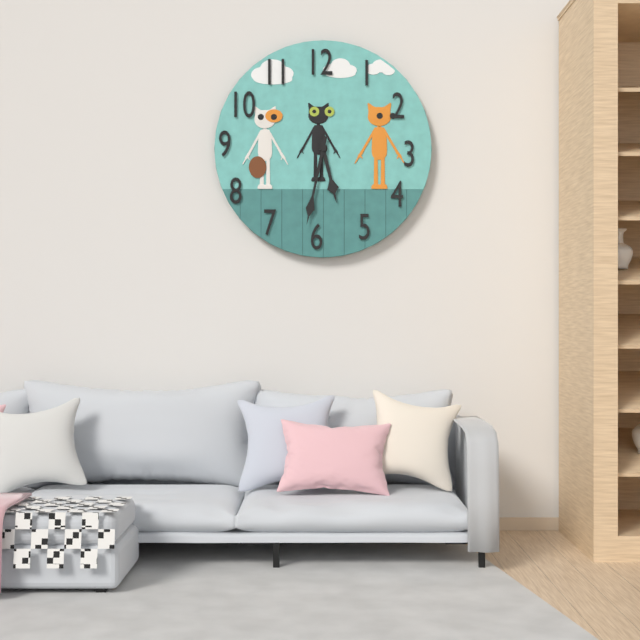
5:32
